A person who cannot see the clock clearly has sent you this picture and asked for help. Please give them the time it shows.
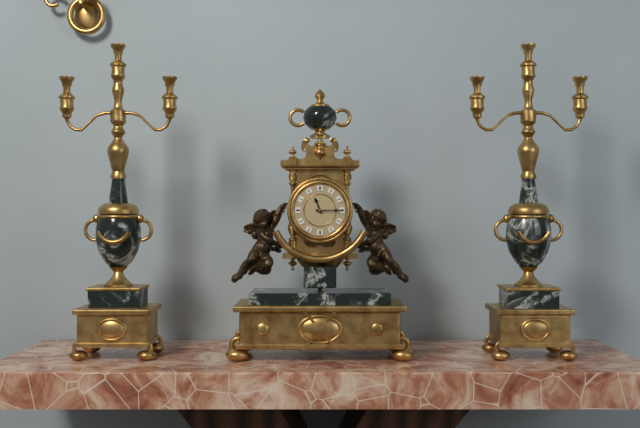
11:15
